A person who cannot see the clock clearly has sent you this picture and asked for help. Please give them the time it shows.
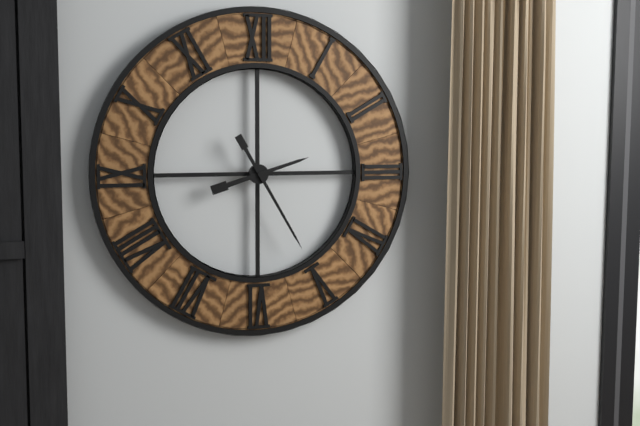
2:25
